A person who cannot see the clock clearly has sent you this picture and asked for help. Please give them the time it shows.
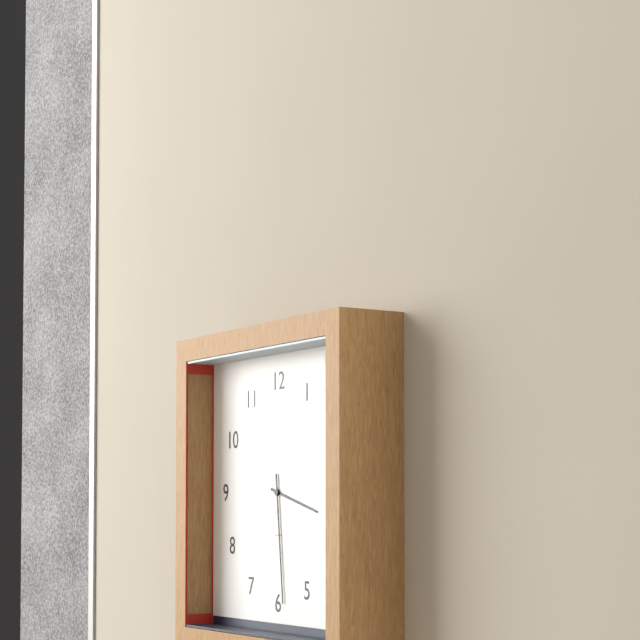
3:29
